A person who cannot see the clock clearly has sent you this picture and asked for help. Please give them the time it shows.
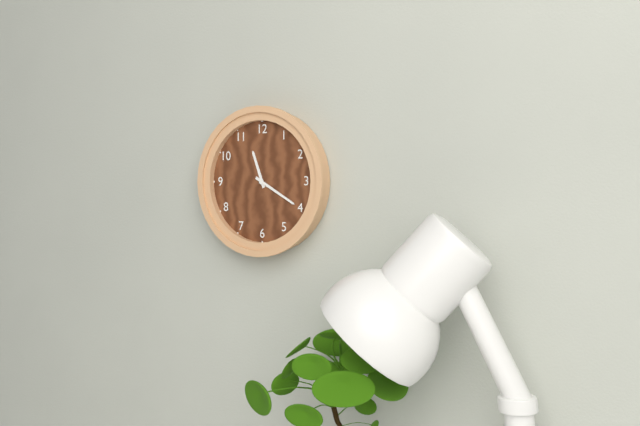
11:20
